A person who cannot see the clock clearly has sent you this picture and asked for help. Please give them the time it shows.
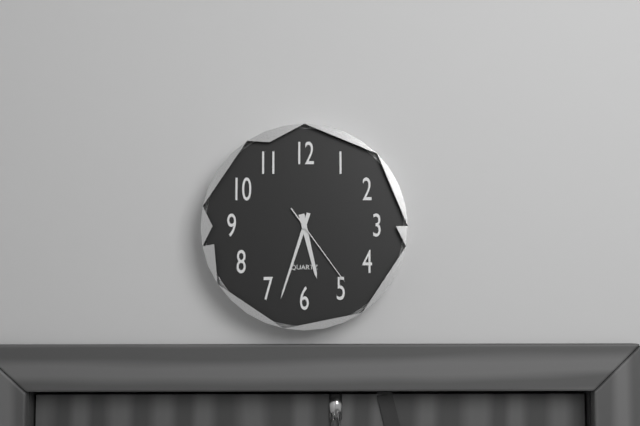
5:33:24
